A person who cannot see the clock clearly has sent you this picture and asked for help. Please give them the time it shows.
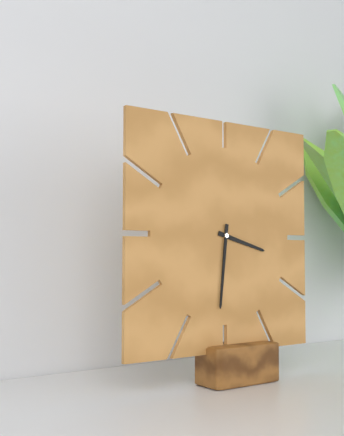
3:31
